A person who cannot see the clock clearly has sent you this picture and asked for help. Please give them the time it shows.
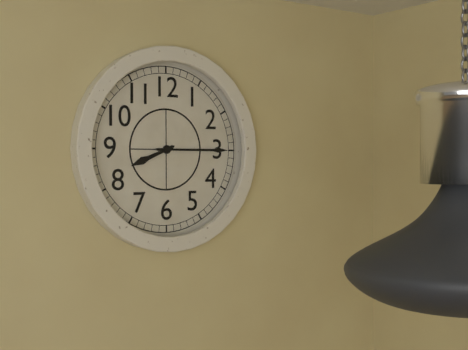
8:15
